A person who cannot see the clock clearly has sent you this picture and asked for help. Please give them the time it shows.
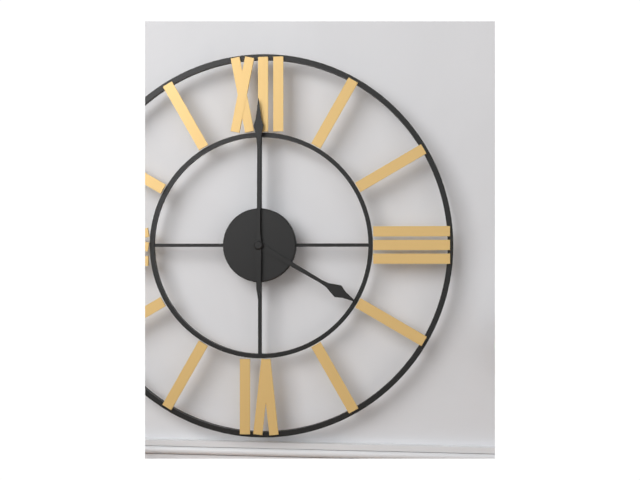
4:00
